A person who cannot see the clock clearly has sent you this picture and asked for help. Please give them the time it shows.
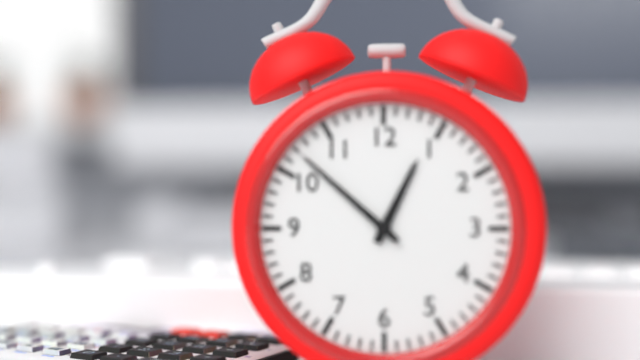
12:52
